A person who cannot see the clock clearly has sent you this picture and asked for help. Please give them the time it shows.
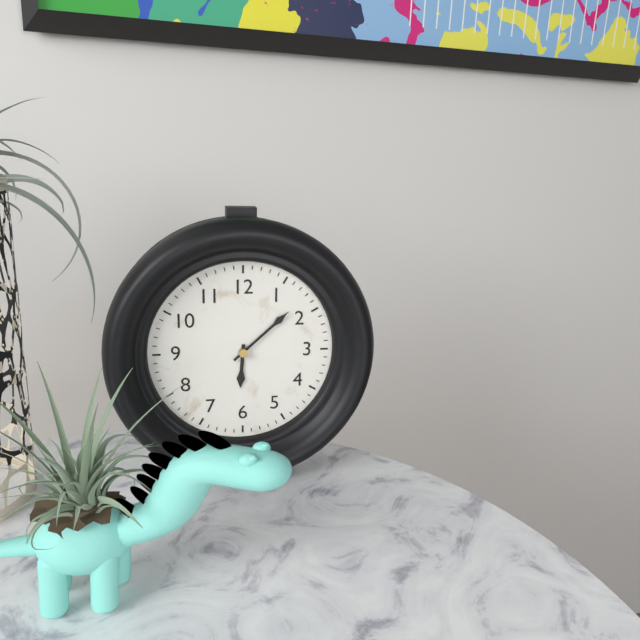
6:08
